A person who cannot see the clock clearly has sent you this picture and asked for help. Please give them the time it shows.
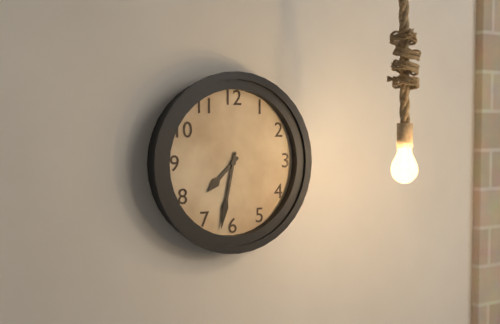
7:32
